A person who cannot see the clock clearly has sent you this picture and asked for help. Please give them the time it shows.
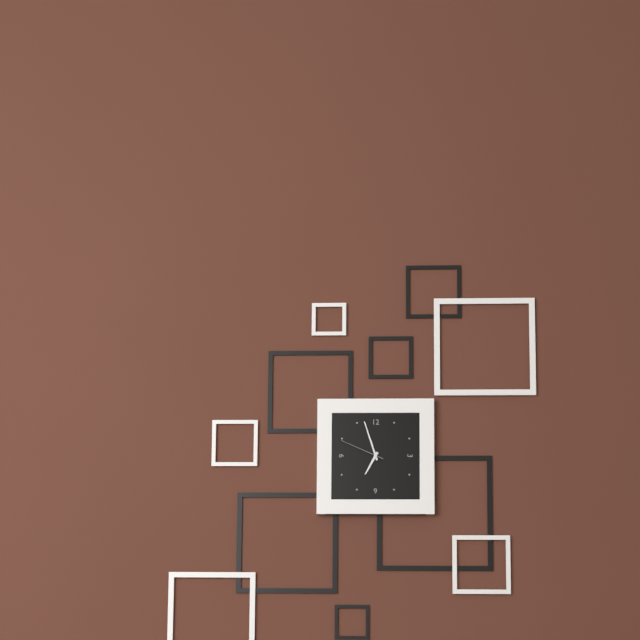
6:57
